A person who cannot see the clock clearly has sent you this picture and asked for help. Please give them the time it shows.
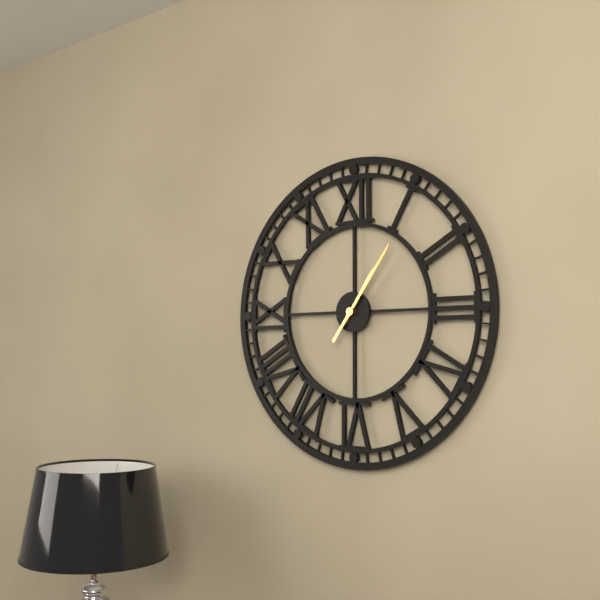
1:06
